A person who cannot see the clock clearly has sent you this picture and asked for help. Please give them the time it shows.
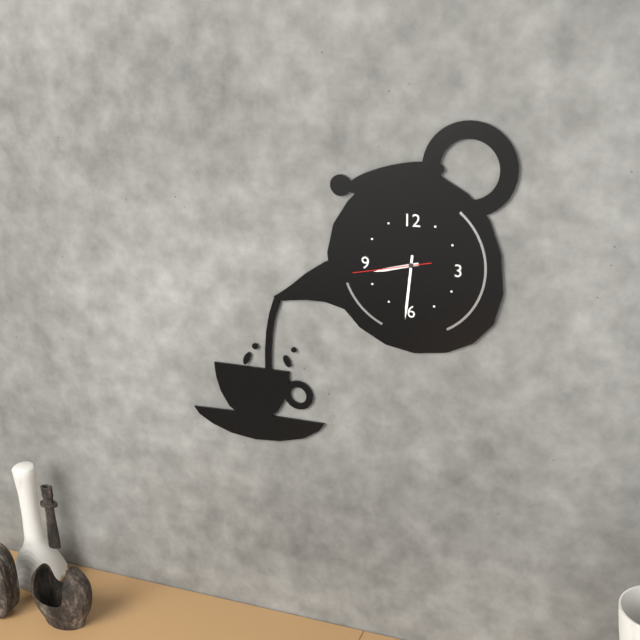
8:31:43
